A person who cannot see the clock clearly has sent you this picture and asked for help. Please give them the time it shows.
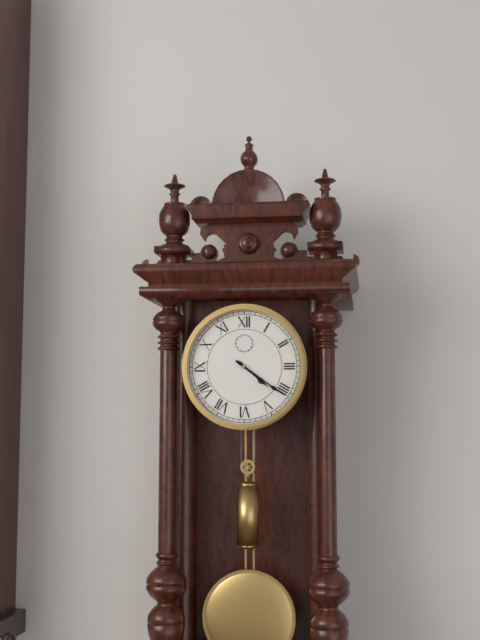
4:21
